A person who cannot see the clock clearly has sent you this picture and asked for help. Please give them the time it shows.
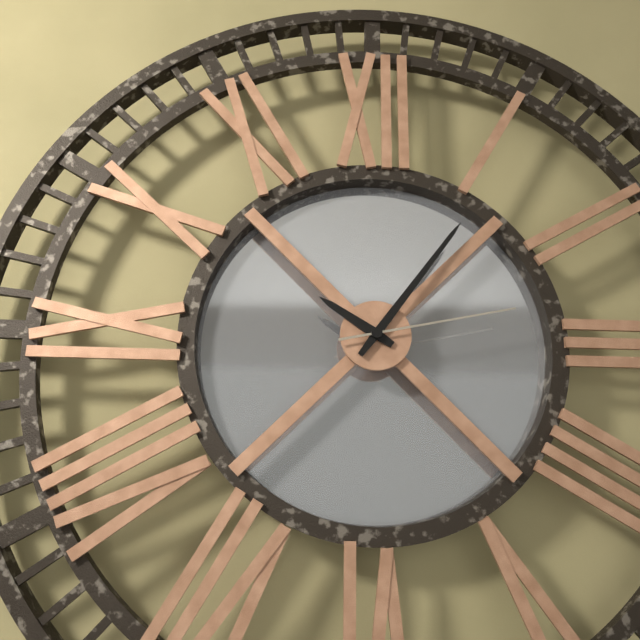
10:06:13
